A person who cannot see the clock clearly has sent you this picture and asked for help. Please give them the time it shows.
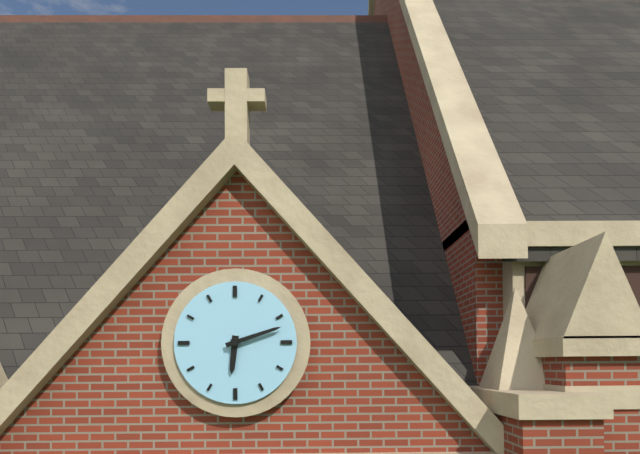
6:12
